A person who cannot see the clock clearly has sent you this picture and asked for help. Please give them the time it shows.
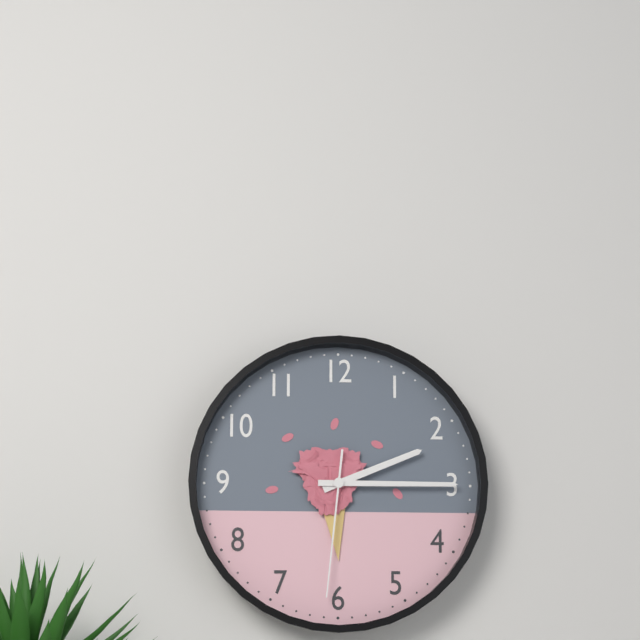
2:15:31
